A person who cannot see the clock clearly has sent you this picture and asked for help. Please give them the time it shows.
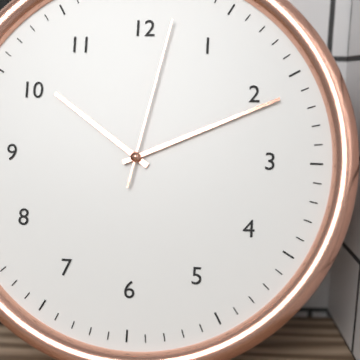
10:11:02
